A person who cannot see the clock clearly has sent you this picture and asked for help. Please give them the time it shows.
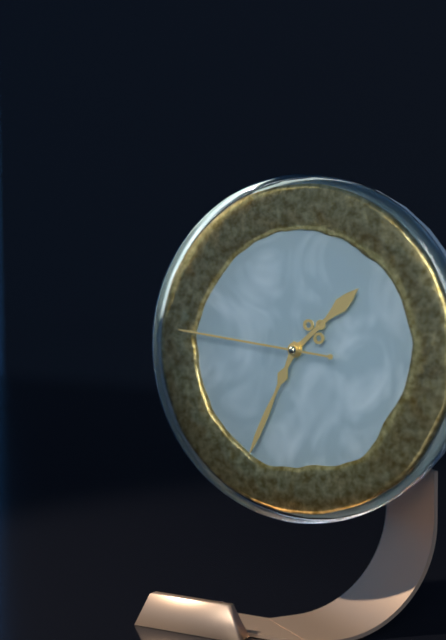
1:34:46
